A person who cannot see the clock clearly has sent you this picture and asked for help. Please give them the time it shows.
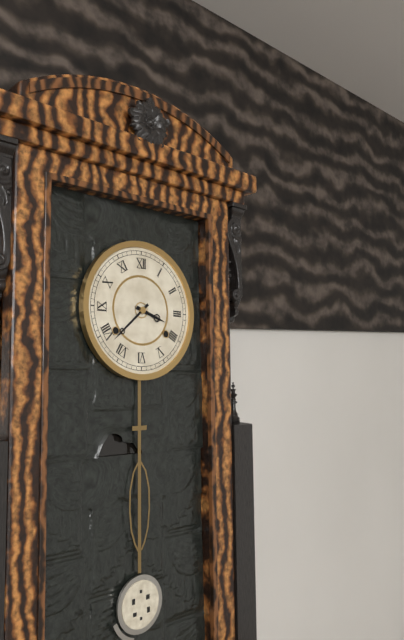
3:38
